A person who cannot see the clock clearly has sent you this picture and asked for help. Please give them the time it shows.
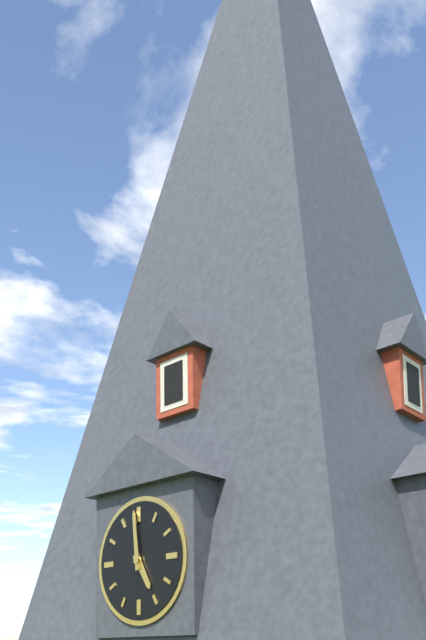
4:59
